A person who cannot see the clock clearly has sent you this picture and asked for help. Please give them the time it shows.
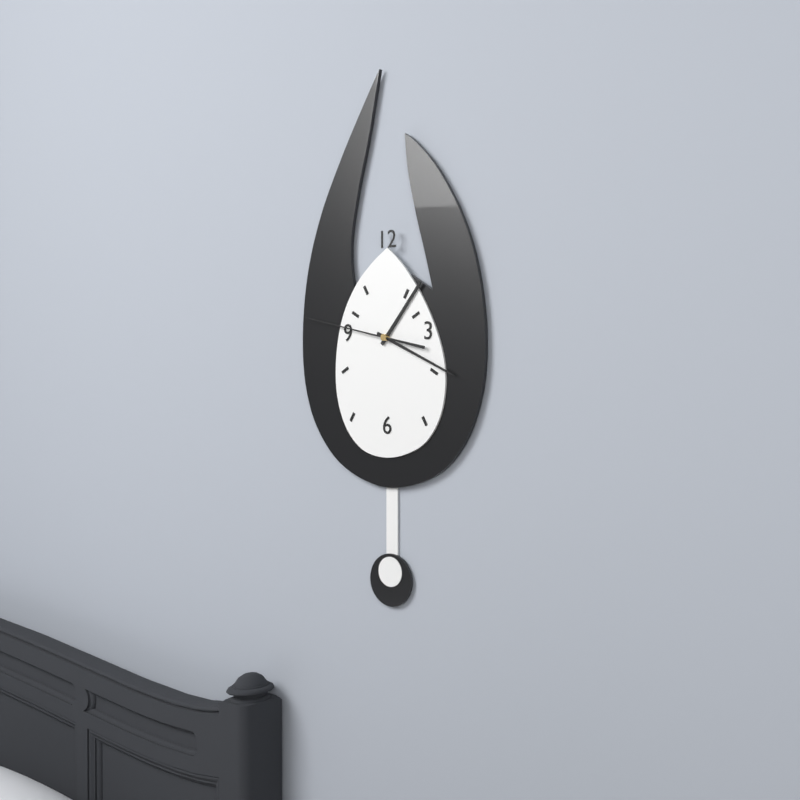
1:19:47
